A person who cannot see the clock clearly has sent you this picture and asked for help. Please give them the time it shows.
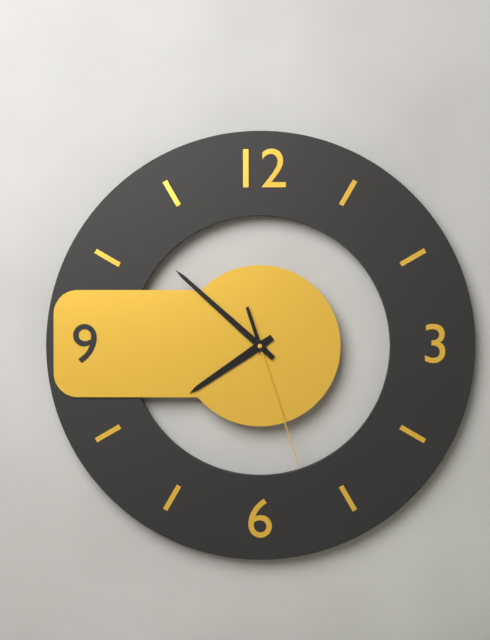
7:52:27
